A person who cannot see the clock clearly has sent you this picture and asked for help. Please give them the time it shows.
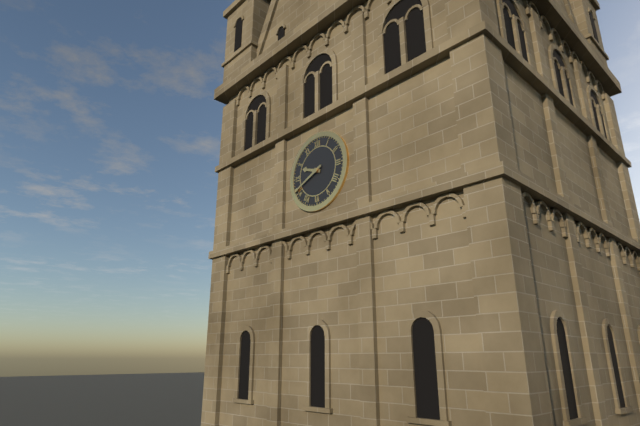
9:41
